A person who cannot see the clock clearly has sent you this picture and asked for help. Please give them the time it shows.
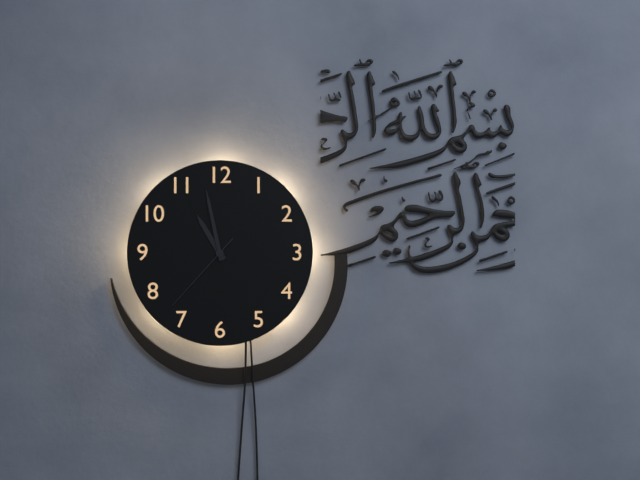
10:58:37
